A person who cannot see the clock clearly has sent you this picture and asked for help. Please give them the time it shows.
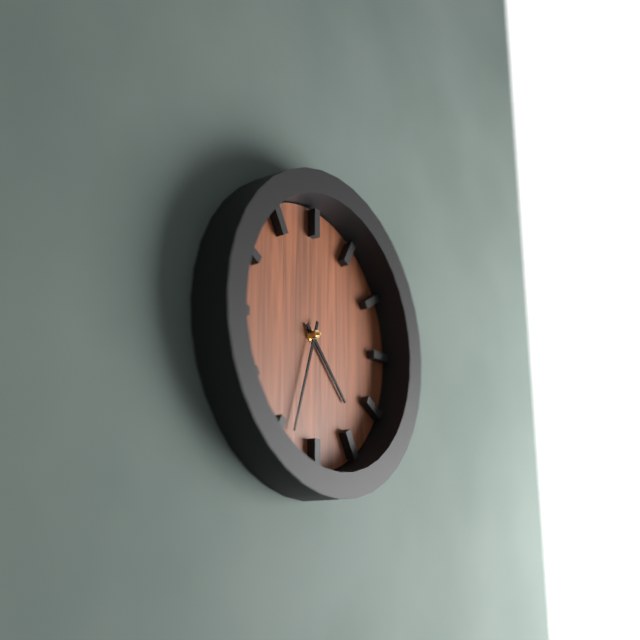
4:33
